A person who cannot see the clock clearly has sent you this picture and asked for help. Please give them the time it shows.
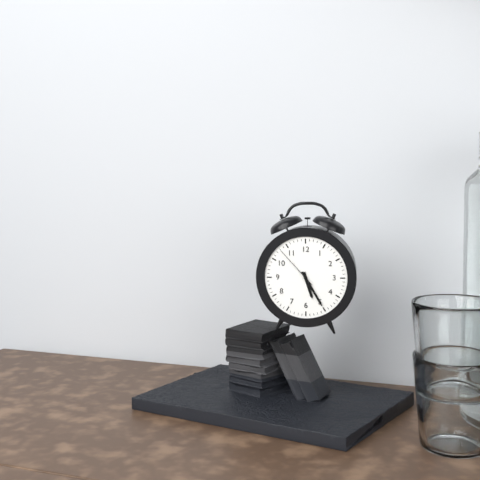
5:25
